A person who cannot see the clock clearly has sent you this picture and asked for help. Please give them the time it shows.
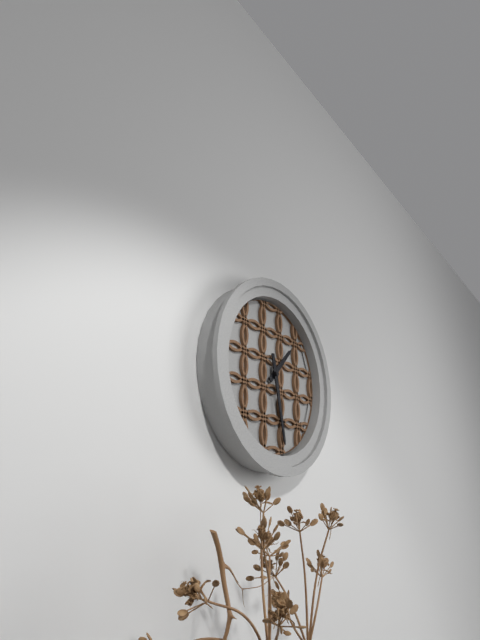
1:28
